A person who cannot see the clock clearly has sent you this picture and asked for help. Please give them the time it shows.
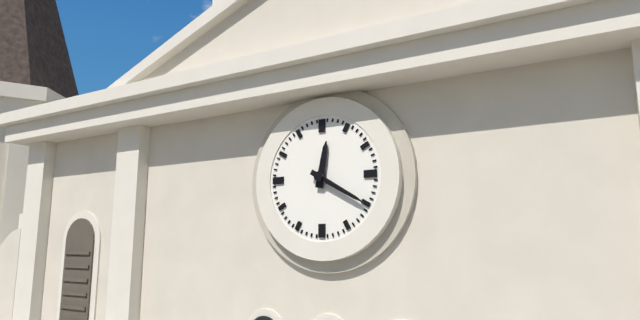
12:20
